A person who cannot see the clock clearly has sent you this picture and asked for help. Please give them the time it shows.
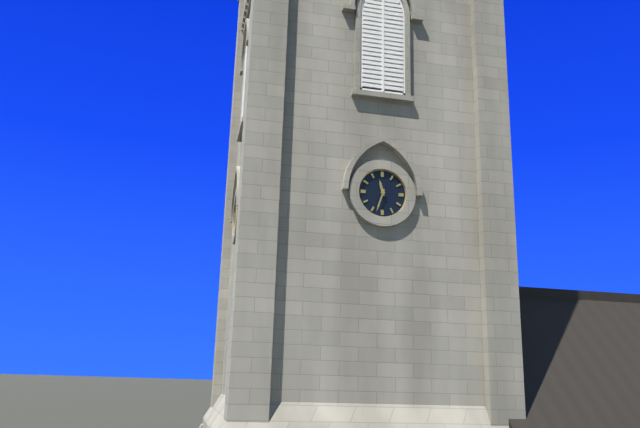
11:33
